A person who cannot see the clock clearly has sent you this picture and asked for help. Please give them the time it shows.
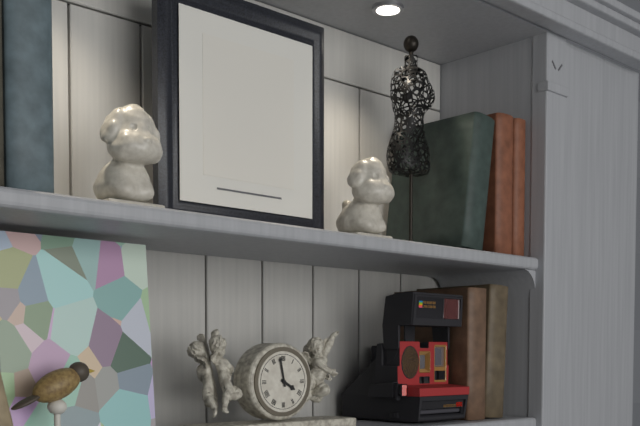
3:58
